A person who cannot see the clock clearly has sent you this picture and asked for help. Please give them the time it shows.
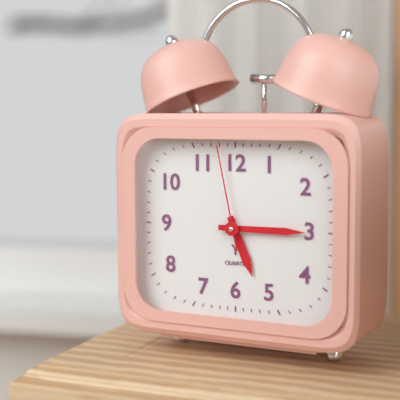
5:15:58
